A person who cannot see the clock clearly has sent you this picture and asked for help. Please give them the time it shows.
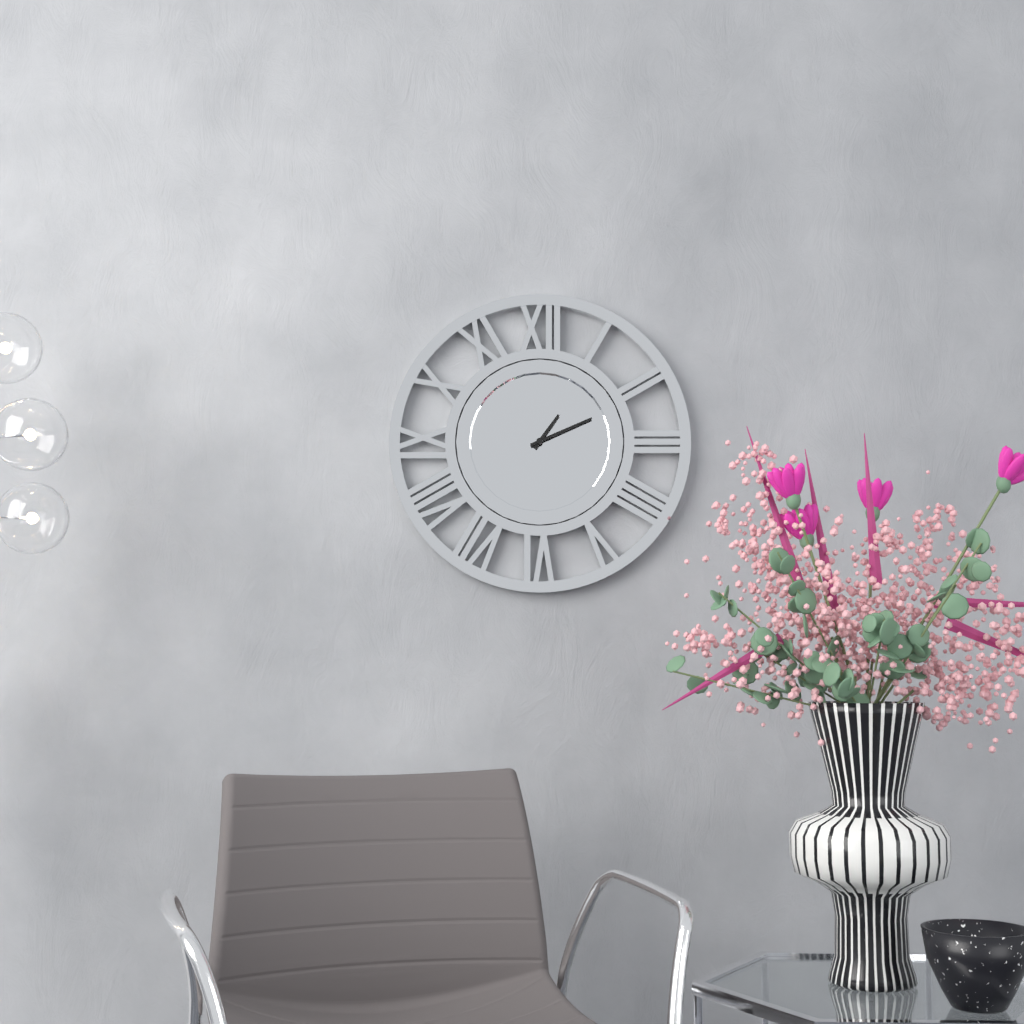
1:11
